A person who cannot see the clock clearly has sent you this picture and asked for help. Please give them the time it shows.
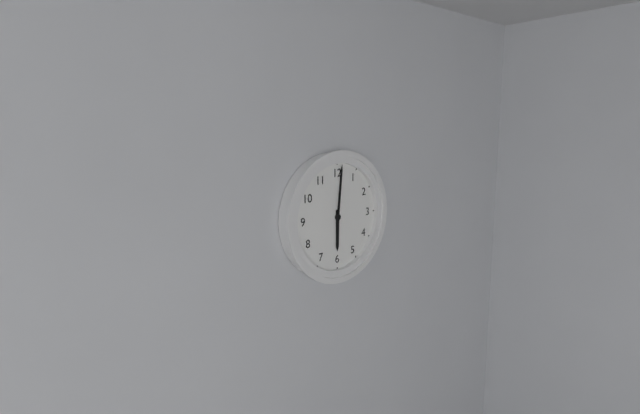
6:01
